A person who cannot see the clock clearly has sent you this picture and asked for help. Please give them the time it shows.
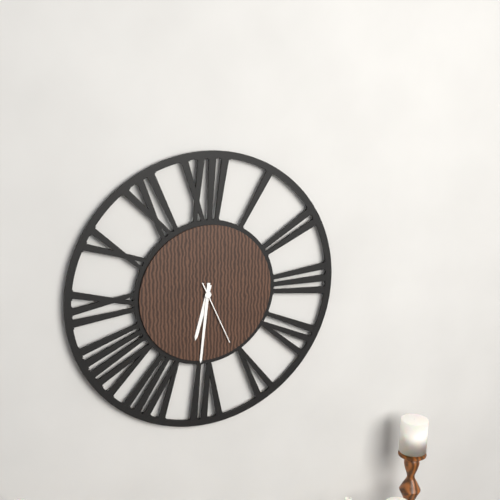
6:31:26
